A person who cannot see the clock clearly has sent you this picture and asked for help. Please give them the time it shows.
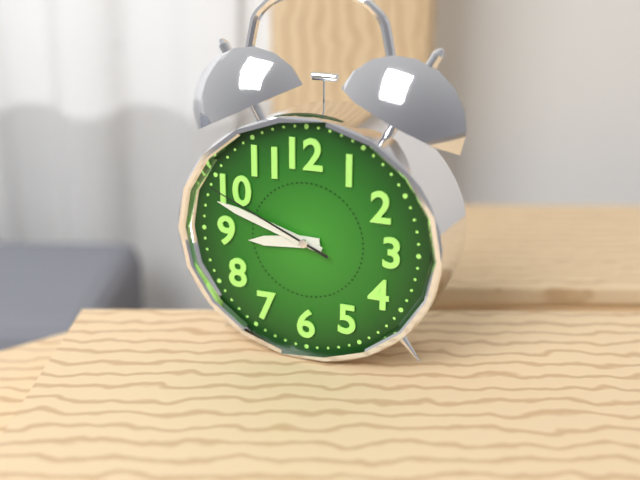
8:48:49
